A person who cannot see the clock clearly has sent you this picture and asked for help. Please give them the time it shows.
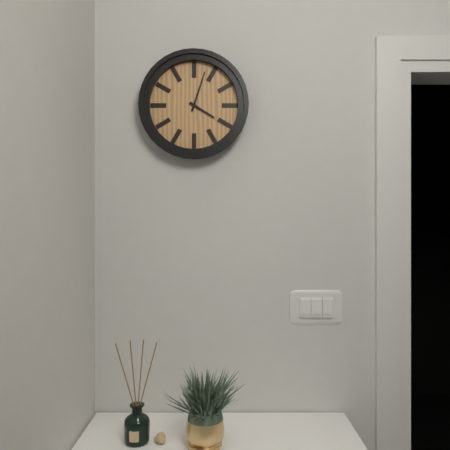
4:03
